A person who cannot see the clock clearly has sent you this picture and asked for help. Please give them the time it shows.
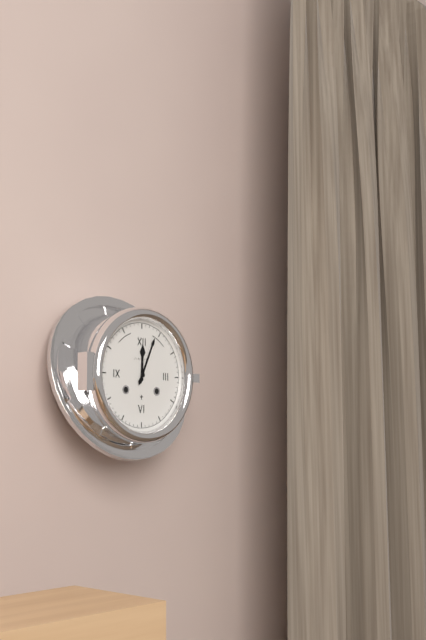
12:04
